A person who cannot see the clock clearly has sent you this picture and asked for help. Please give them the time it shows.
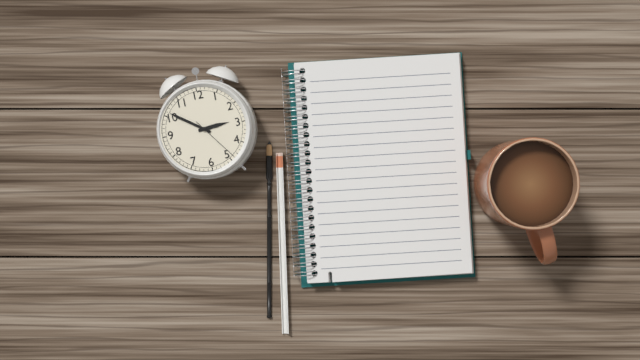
2:51
